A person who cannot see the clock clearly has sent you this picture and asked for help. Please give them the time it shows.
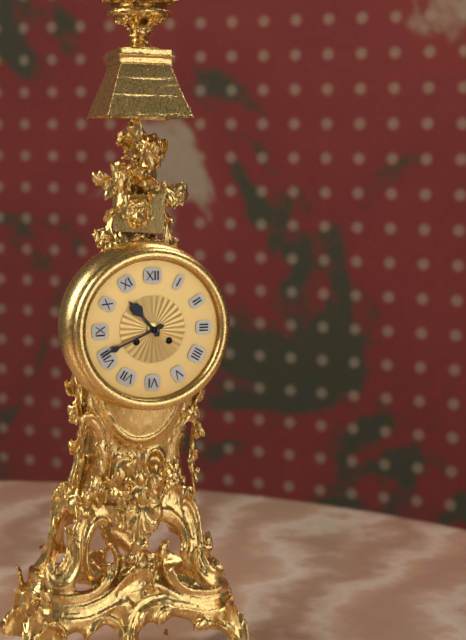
10:41
